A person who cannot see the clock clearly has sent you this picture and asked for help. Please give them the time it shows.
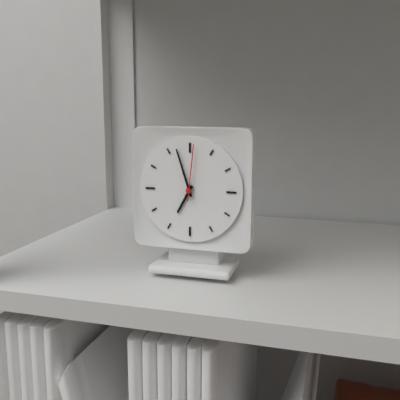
6:57:01
